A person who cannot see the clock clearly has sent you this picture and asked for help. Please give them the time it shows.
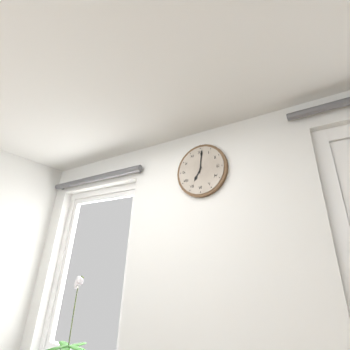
7:01
